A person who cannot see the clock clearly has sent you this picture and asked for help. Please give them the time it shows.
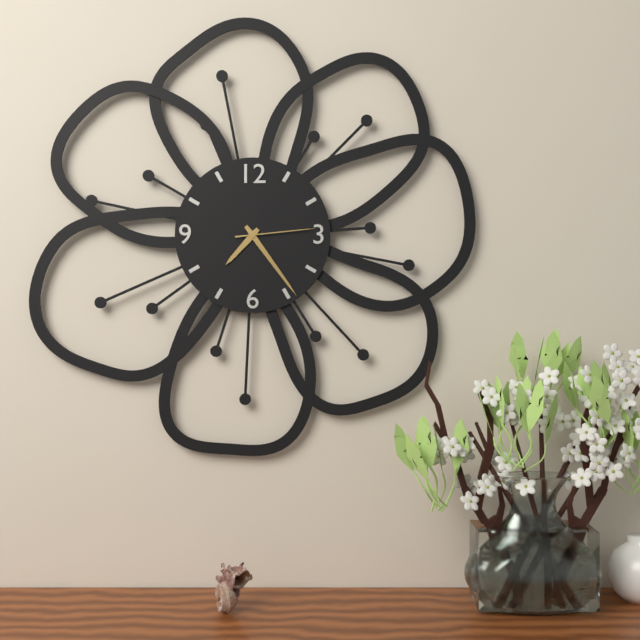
7:24:14
